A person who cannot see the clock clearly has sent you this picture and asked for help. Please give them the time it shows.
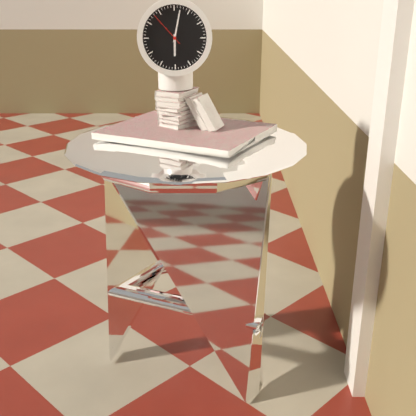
6:02
